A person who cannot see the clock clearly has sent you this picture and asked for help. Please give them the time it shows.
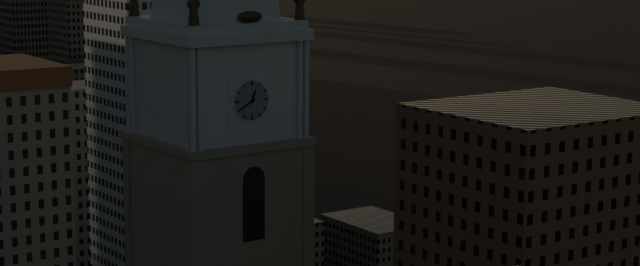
12:40
